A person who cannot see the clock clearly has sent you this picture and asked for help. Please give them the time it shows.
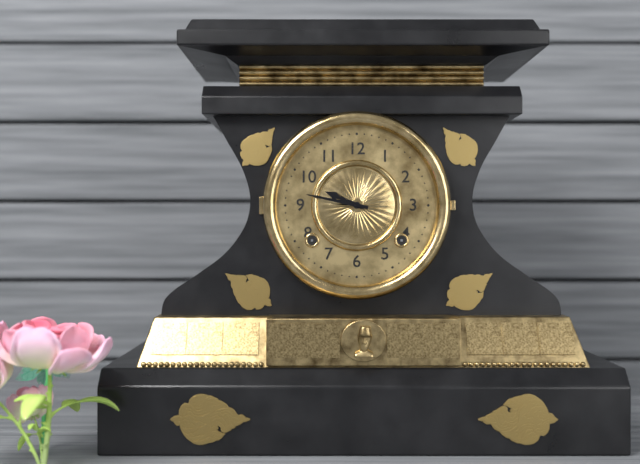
9:47
